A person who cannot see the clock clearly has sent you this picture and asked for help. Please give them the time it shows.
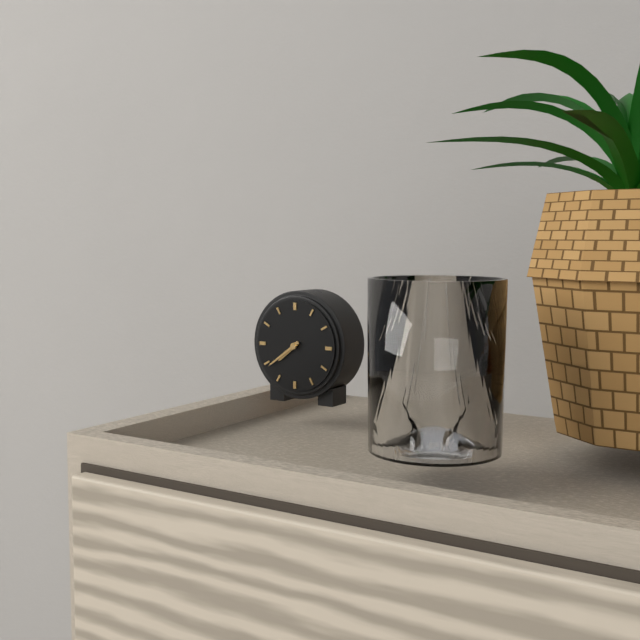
7:39
